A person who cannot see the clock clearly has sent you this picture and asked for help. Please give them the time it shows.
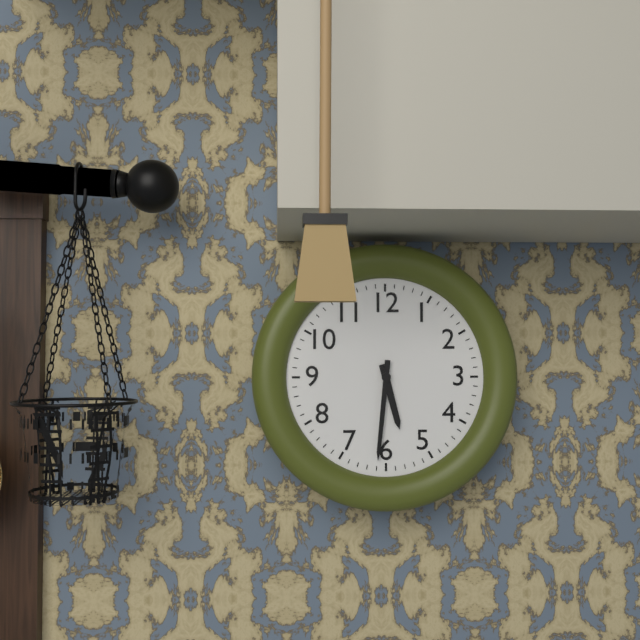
5:31
